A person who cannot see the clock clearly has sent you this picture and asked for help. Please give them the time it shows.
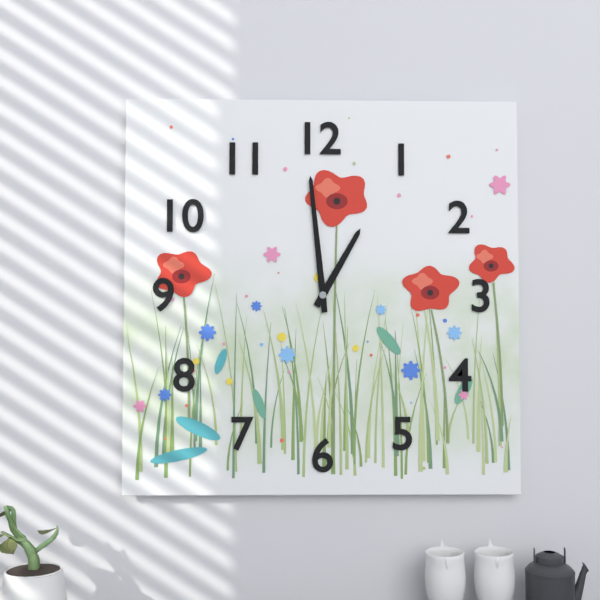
12:59
